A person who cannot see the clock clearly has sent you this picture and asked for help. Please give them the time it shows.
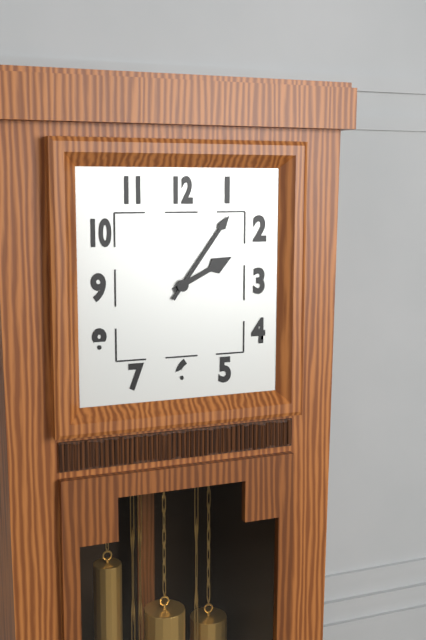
2:06
